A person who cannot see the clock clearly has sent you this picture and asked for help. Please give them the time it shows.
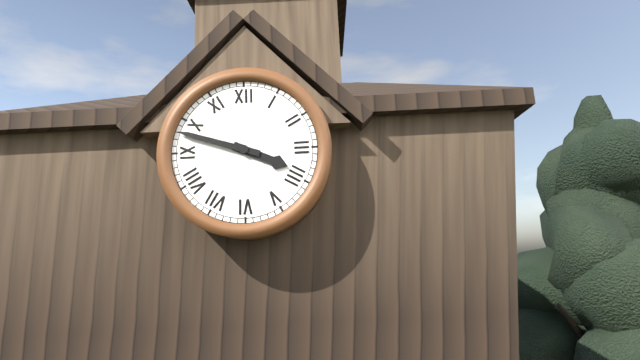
3:48
